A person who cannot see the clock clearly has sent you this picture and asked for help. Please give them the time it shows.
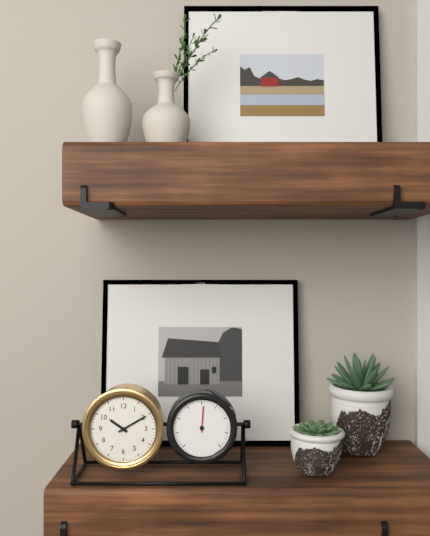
10:10
